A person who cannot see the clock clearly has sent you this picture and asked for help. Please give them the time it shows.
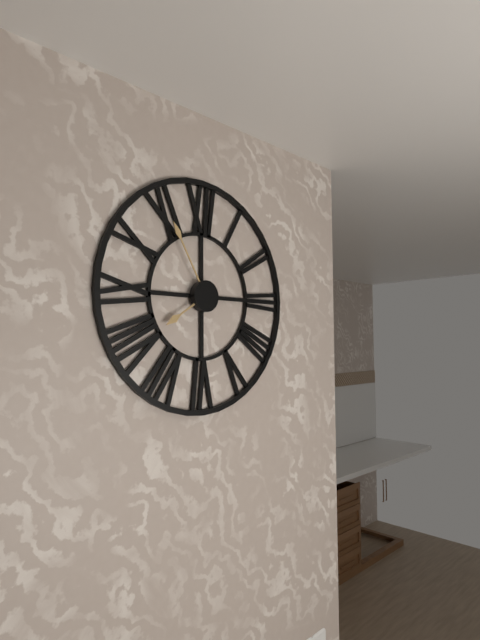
7:55
